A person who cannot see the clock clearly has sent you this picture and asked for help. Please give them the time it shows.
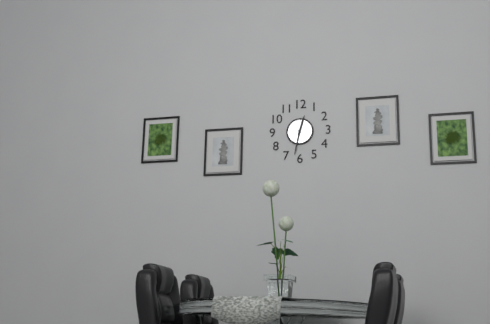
12:32
